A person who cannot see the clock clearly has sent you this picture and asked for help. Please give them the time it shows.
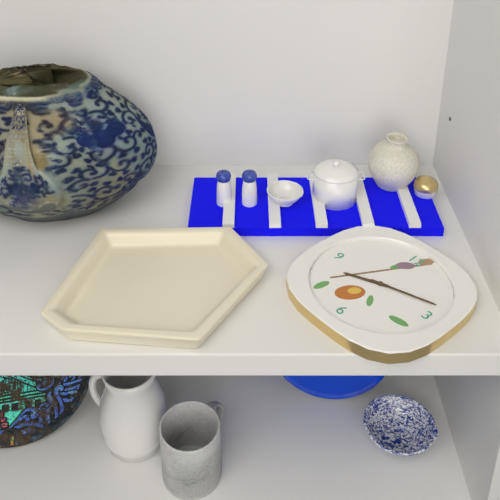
8:12
